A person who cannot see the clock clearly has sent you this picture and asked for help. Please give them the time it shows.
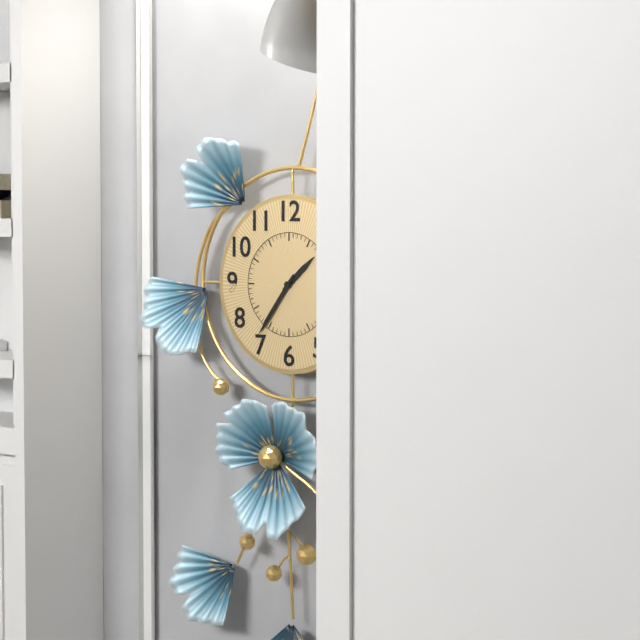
1:36
